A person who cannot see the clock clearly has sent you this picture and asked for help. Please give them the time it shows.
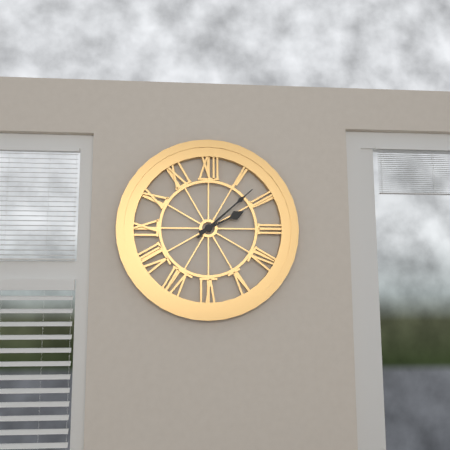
2:08
